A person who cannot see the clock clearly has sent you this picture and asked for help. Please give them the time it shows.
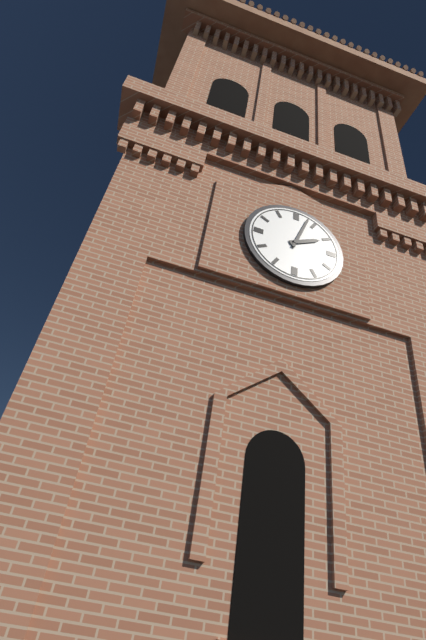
2:03
